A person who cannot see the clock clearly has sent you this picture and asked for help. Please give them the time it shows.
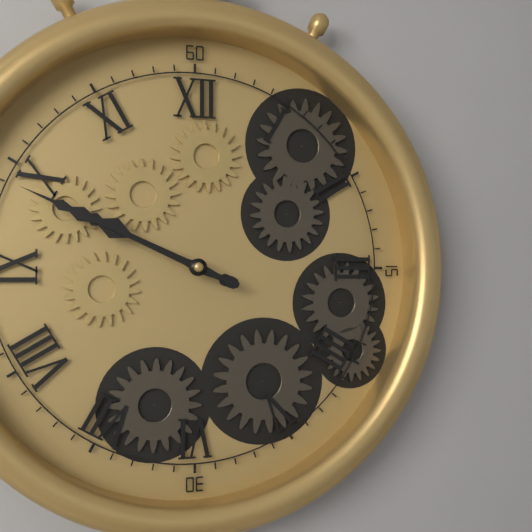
9:49
